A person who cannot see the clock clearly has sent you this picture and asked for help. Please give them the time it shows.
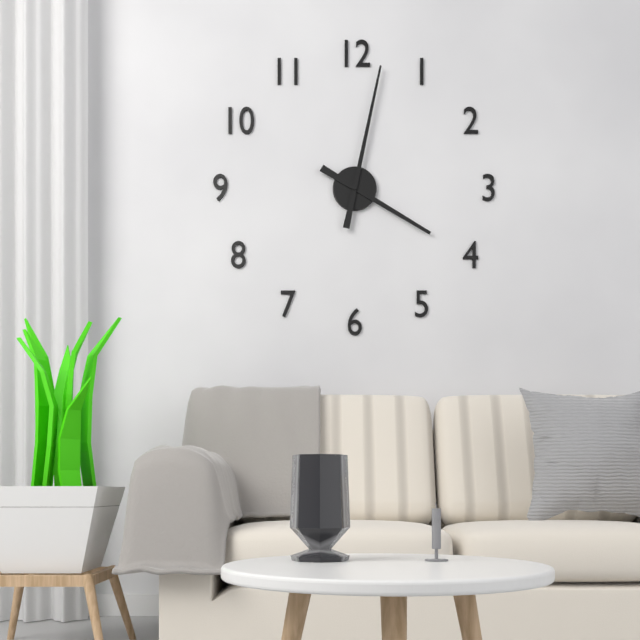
4:02
